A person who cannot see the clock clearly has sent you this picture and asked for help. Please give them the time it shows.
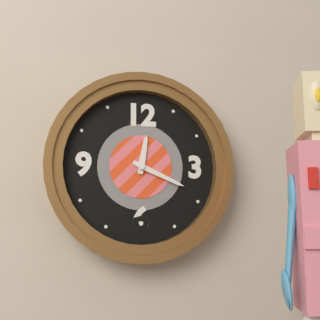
12:19
